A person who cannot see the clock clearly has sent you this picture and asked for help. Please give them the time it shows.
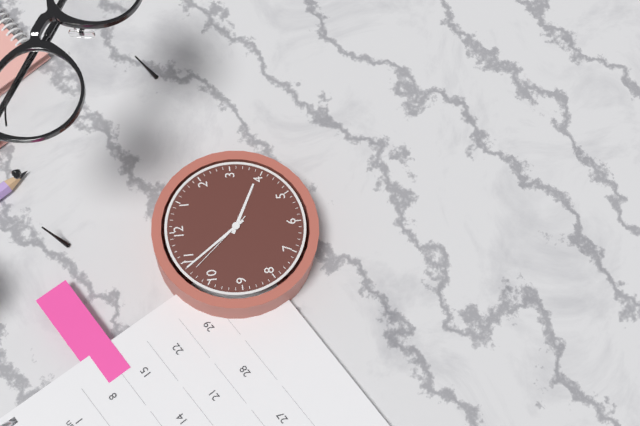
3:54:53
